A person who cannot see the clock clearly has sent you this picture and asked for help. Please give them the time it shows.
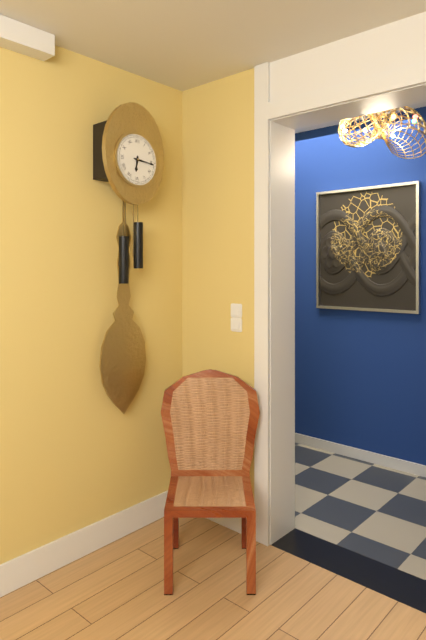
6:16
